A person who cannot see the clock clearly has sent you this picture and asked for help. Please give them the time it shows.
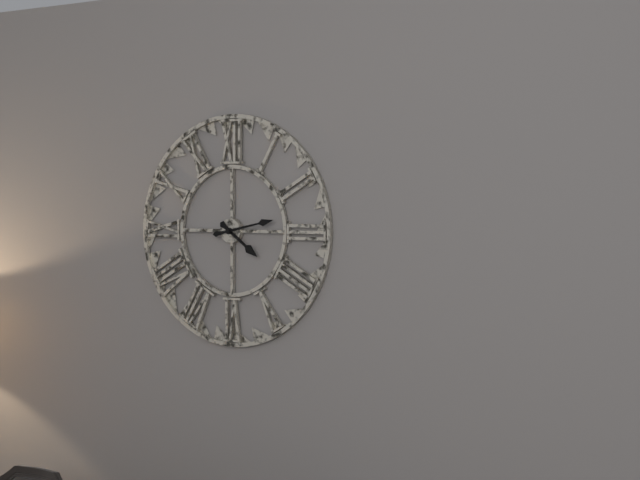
4:13
